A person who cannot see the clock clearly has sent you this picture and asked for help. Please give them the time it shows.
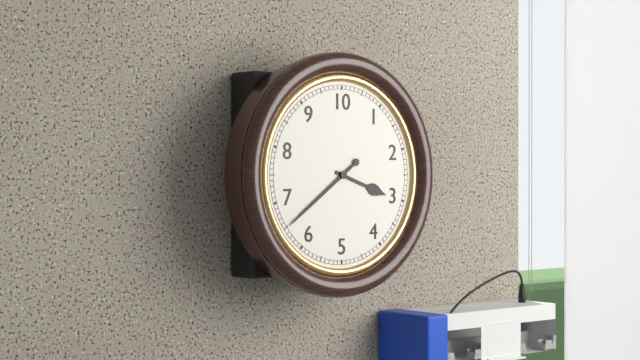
3:39
